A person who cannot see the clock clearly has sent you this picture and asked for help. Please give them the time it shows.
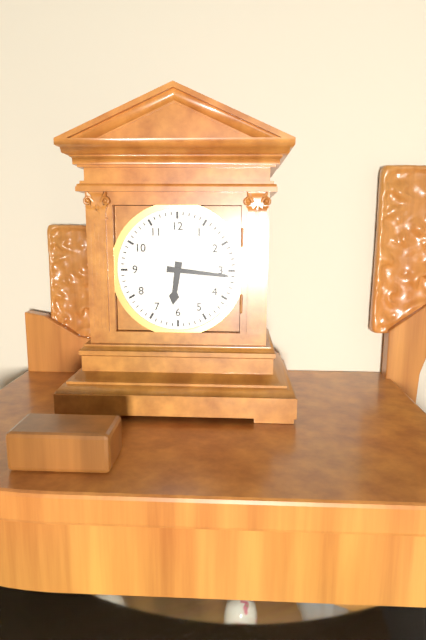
6:16
